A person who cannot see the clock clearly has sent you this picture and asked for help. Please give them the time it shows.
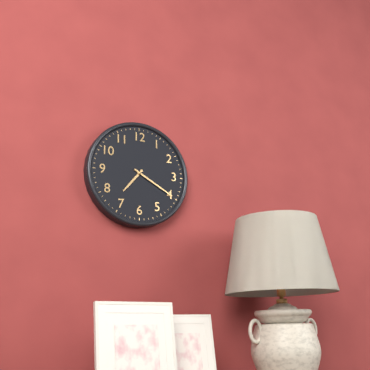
7:20
